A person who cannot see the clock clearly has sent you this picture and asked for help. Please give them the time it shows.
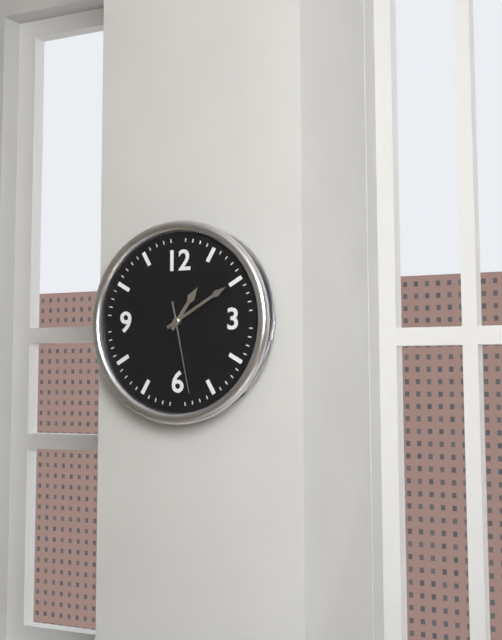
1:10:28
